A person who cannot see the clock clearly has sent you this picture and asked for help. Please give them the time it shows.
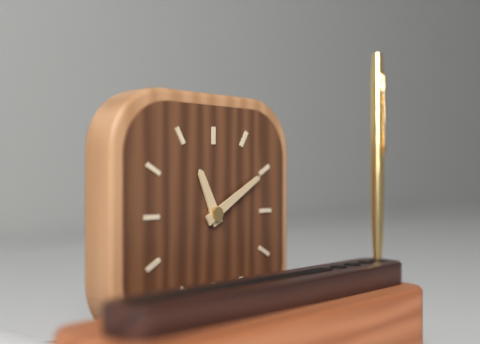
11:10
